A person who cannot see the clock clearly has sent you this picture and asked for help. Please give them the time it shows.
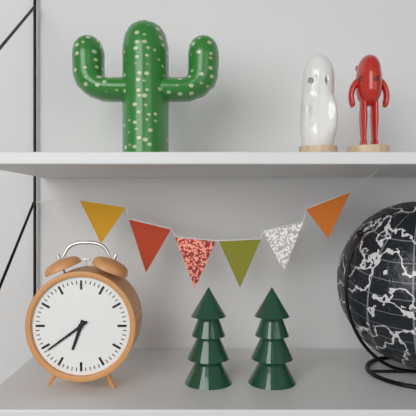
6:39
